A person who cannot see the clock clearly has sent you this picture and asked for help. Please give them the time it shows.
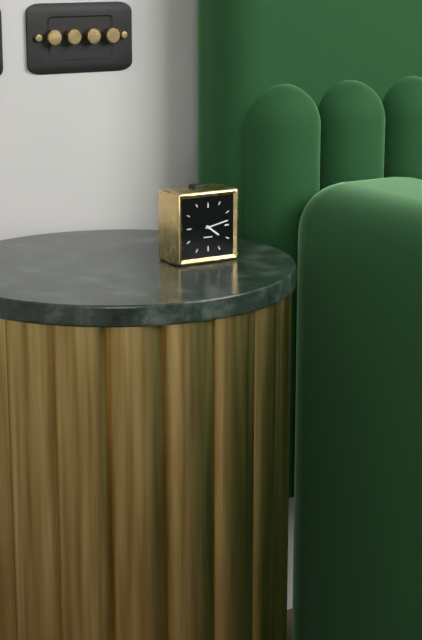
4:13
